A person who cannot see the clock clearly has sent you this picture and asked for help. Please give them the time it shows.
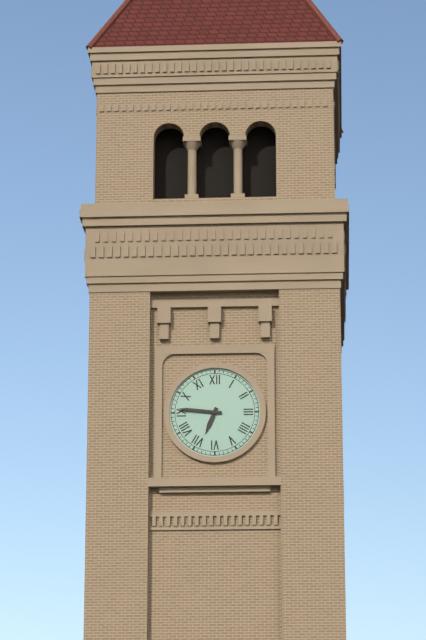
6:46
